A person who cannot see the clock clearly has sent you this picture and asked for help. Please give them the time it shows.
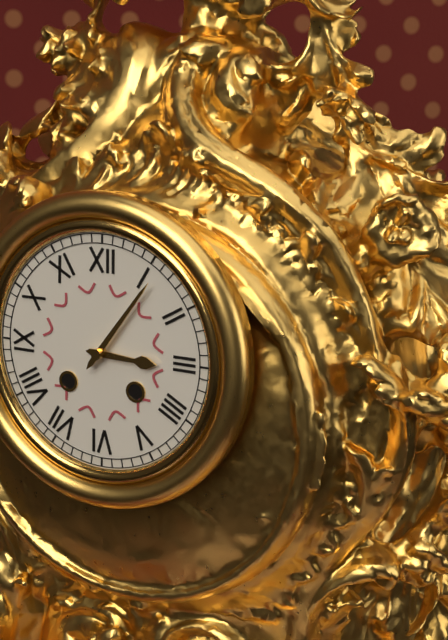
3:06
